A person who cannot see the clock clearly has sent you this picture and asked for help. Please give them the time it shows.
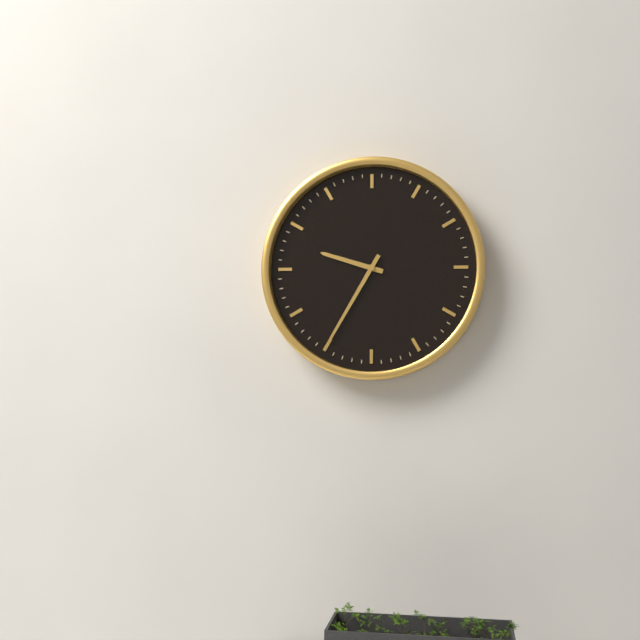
9:35
